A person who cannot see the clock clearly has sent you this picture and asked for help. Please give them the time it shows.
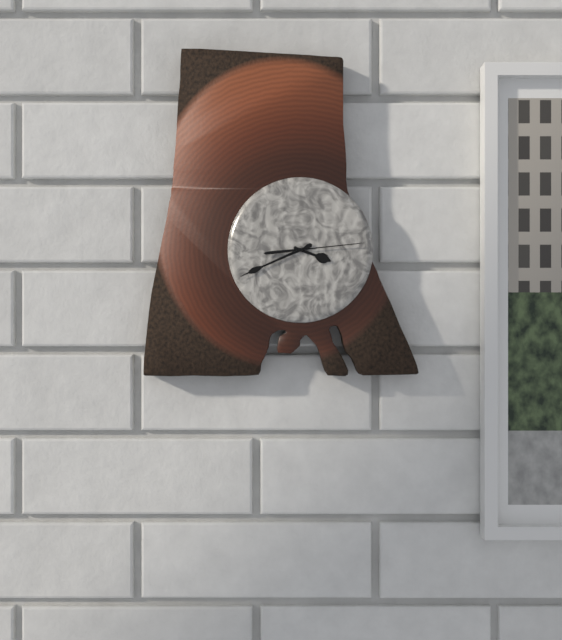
3:41:14
